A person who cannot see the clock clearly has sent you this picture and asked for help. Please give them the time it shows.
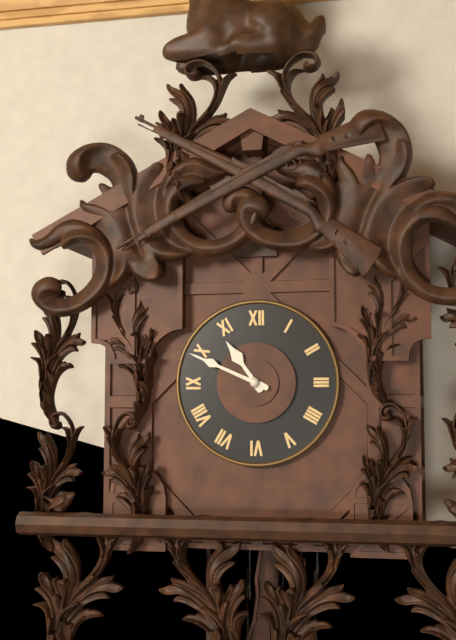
10:49
